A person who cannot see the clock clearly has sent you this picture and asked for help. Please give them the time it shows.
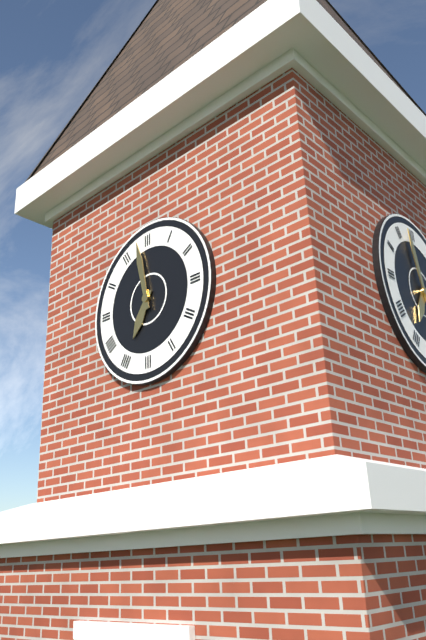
6:58
